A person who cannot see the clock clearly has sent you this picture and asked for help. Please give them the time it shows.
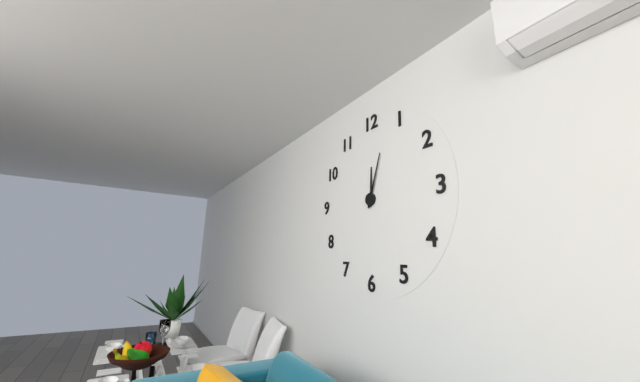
12:03
